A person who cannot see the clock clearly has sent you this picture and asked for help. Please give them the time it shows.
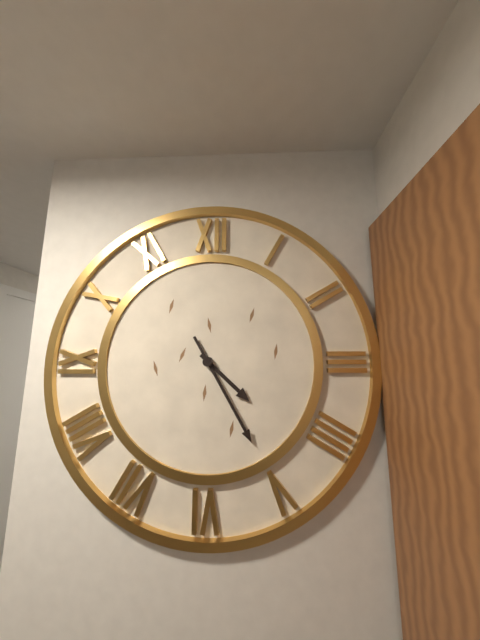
4:25
